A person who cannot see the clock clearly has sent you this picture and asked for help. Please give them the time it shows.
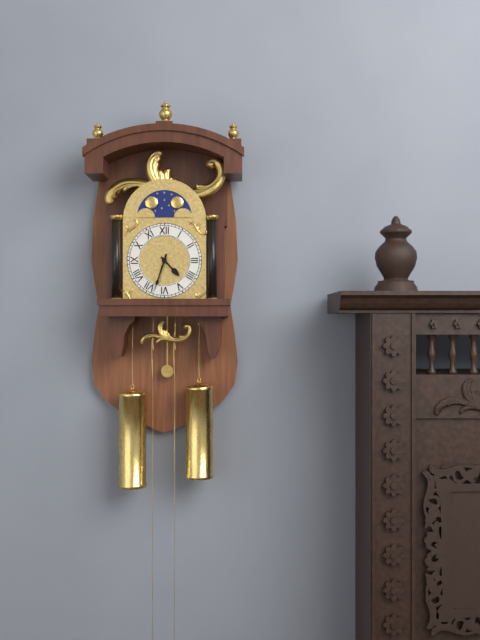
4:33
